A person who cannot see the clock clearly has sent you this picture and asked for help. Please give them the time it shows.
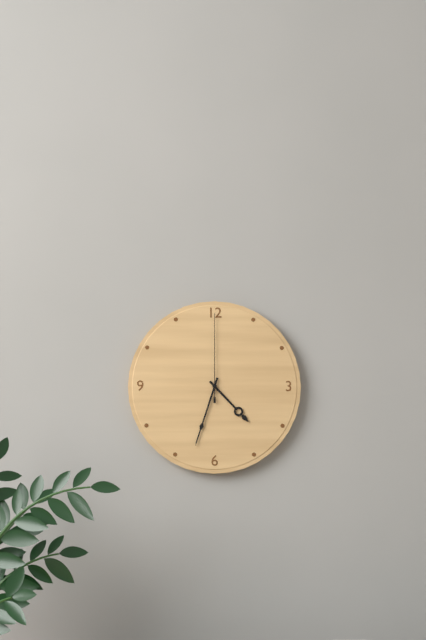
4:33:00
